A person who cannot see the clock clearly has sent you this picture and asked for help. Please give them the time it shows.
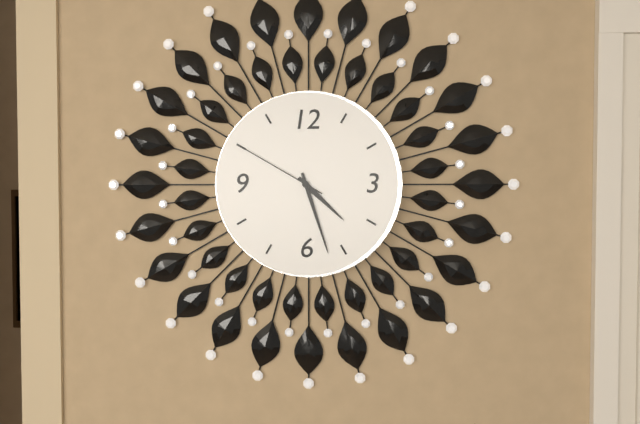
4:27:50
